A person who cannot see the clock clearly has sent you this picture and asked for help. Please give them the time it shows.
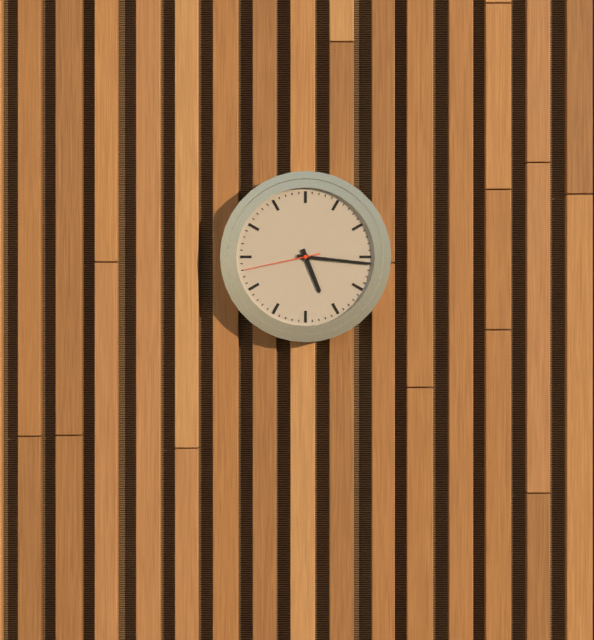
5:16:43
